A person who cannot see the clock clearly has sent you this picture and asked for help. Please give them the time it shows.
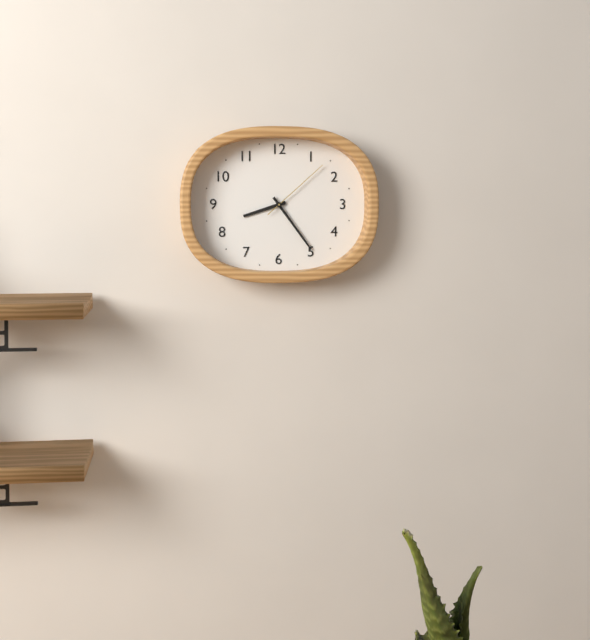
8:24:08
